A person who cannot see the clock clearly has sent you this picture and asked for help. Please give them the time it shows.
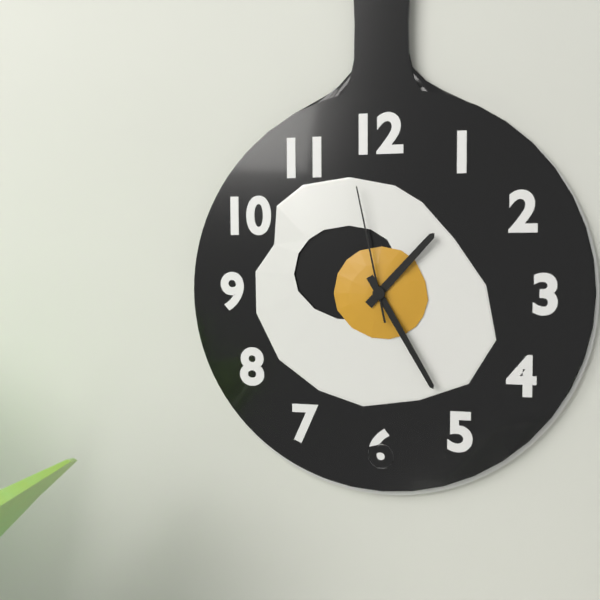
1:25:58
